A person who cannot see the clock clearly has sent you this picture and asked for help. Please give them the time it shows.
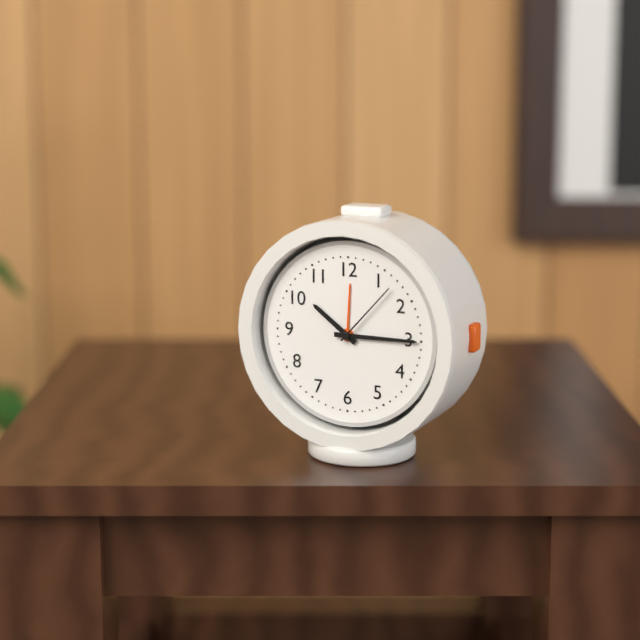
10:15:07
